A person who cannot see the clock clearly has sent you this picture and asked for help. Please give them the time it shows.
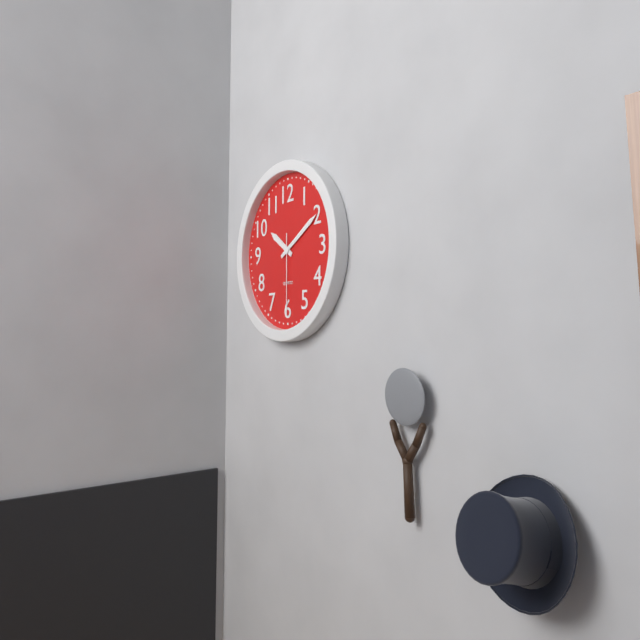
10:10:30
